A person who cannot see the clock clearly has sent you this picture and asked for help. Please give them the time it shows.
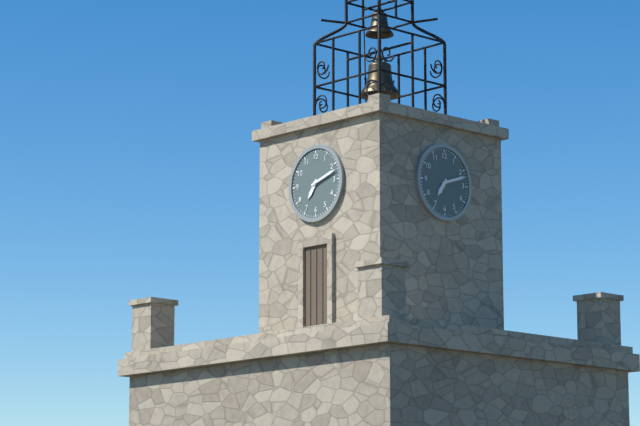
7:12
